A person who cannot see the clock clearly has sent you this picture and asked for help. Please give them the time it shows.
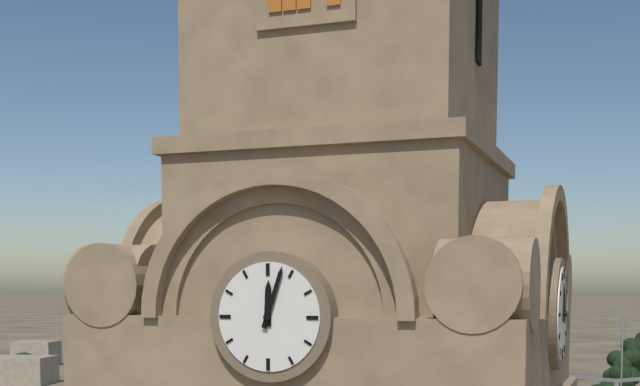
12:03
